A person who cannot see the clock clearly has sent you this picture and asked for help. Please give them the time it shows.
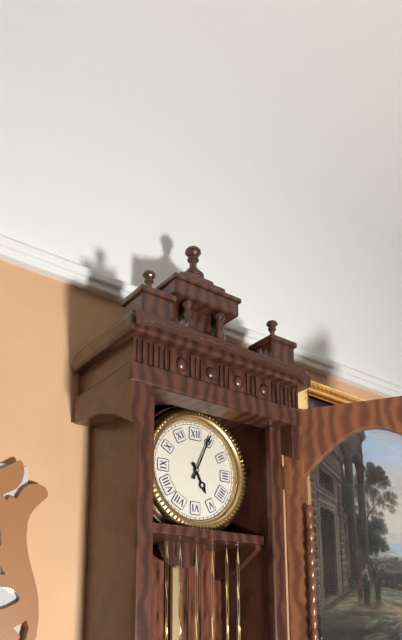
5:04
